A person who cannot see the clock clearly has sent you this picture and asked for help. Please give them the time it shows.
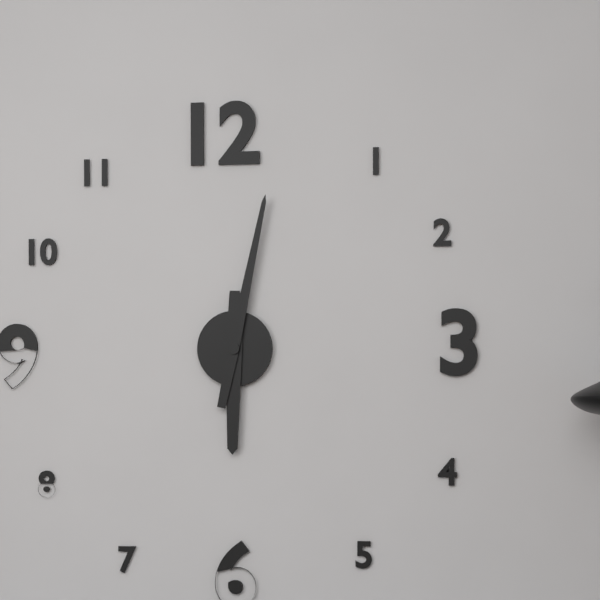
6:02
